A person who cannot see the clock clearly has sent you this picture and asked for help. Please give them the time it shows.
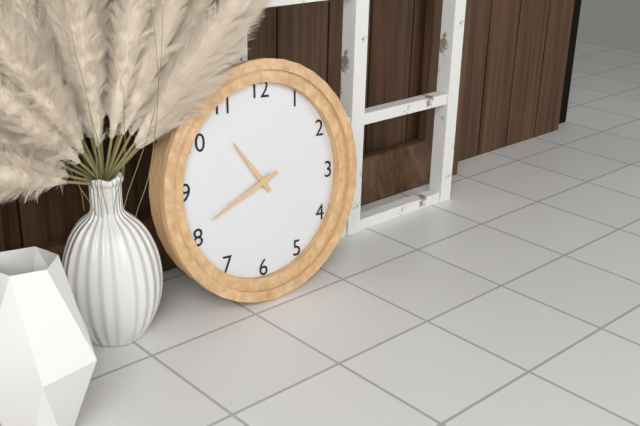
10:41
